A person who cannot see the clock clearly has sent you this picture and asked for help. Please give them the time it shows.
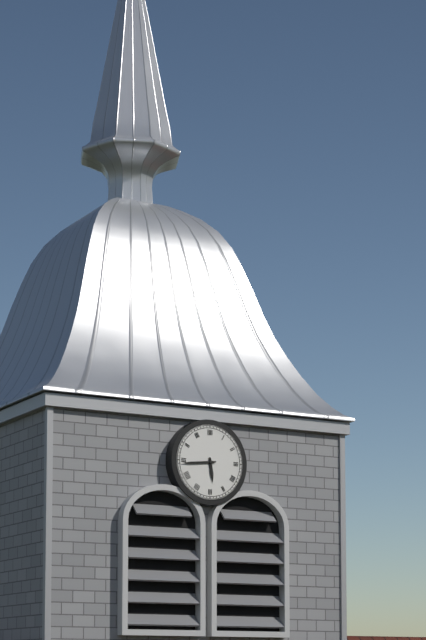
5:44
